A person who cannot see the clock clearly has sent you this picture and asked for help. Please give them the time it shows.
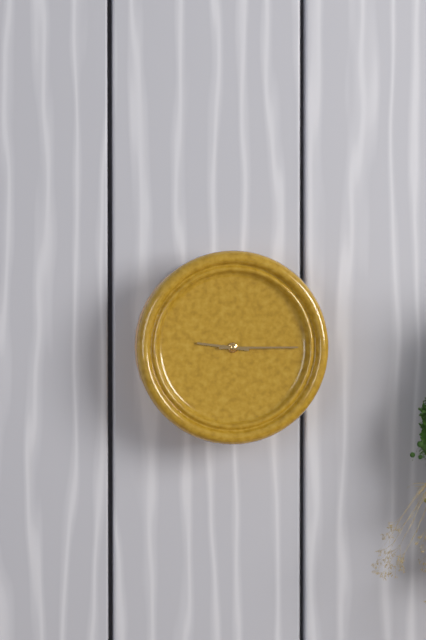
9:15
